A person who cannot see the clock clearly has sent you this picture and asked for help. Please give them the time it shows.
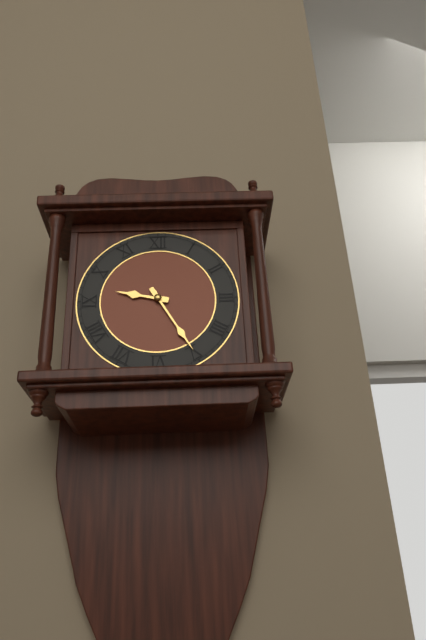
9:25
